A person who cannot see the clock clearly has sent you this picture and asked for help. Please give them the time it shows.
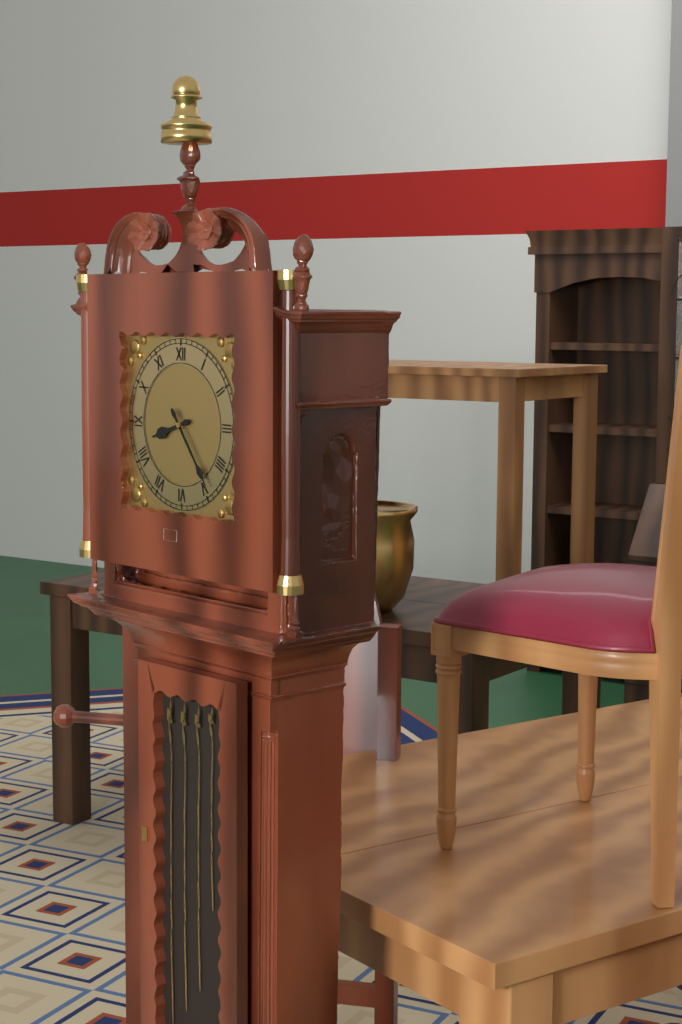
8:24
